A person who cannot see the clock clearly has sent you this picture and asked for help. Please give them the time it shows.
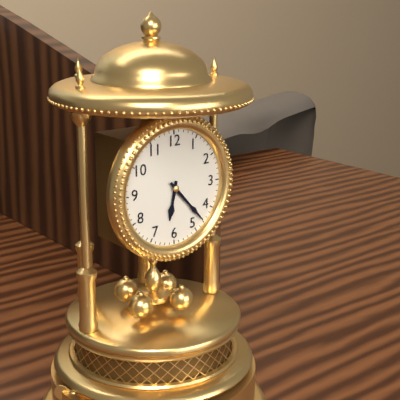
6:23
